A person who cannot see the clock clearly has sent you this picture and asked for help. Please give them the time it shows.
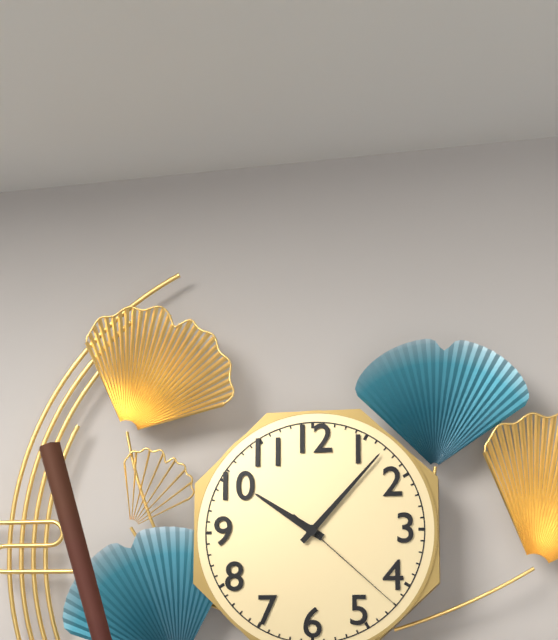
10:07:22
